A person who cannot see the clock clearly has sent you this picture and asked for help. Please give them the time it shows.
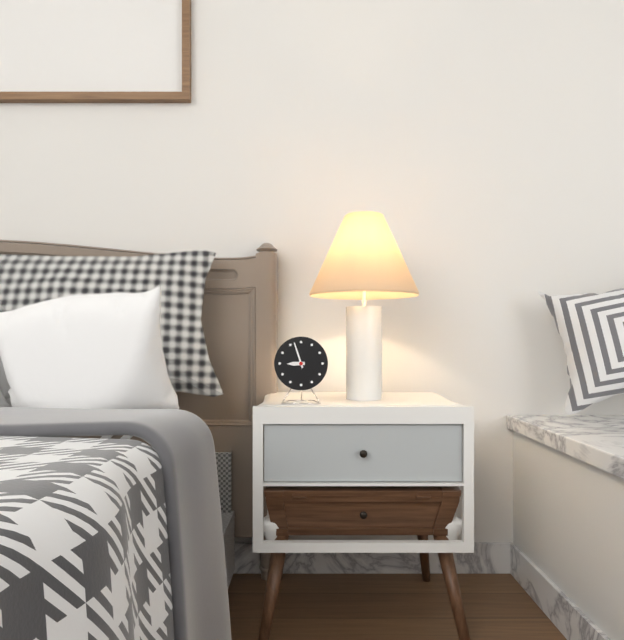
8:57
